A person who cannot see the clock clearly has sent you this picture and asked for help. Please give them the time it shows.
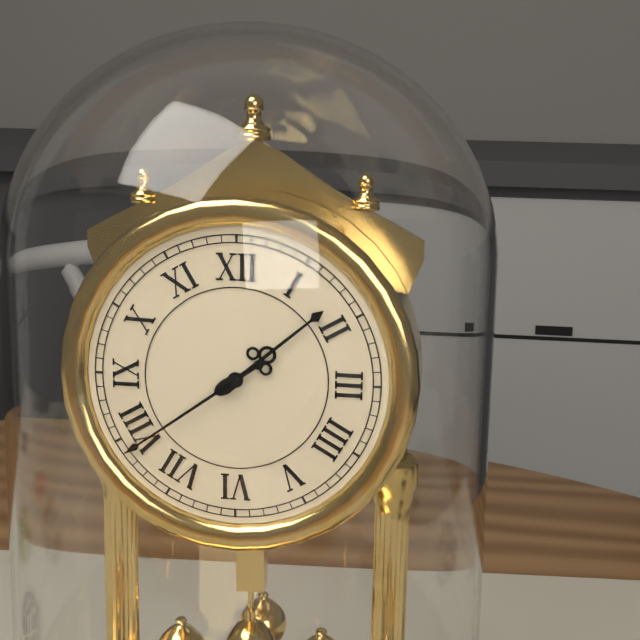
1:39
